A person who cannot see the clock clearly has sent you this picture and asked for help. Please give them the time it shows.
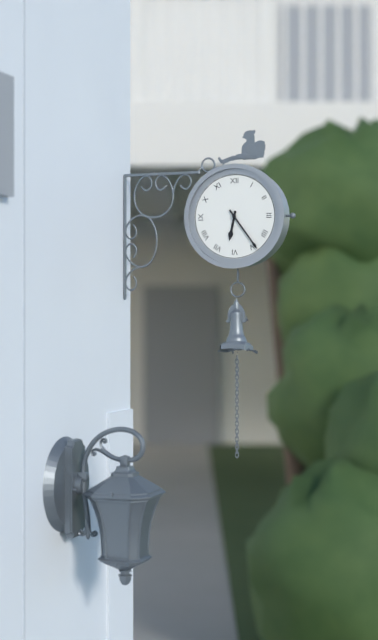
6:24
